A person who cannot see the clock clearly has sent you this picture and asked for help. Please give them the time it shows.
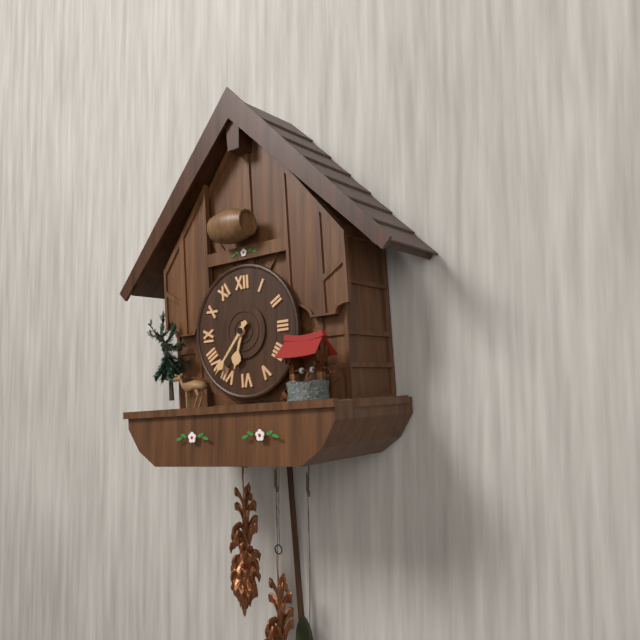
6:37
